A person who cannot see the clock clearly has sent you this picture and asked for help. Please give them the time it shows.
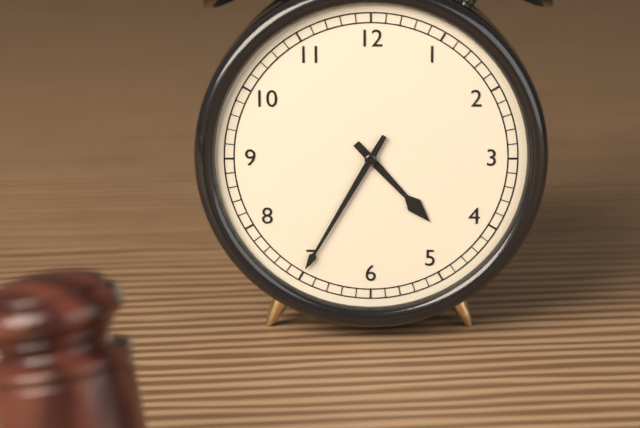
4:35
